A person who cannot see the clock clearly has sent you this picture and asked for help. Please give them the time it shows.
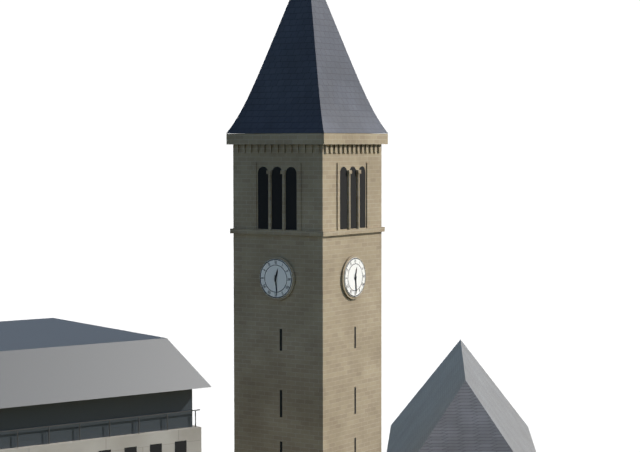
12:29
